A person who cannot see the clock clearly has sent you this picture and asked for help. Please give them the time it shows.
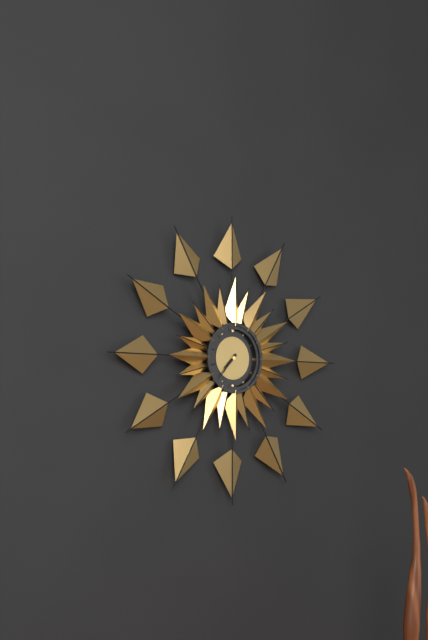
7:37
